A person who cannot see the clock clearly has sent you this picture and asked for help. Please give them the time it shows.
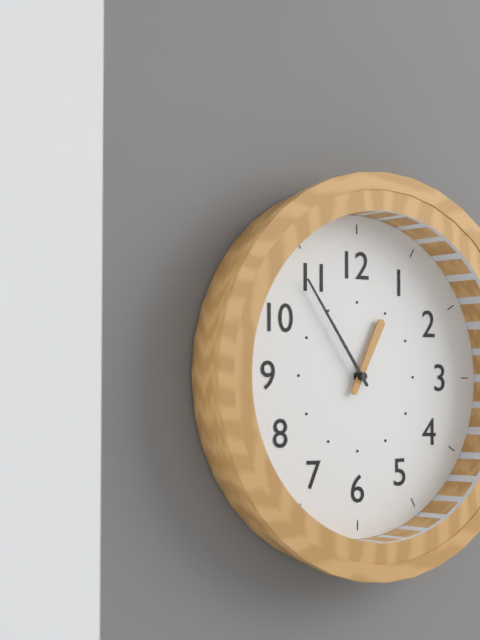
12:54
